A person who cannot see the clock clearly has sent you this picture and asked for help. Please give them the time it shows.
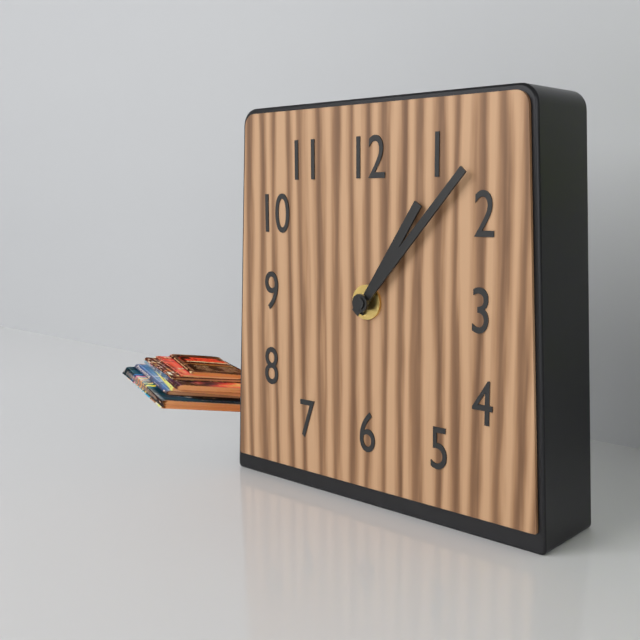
1:07
